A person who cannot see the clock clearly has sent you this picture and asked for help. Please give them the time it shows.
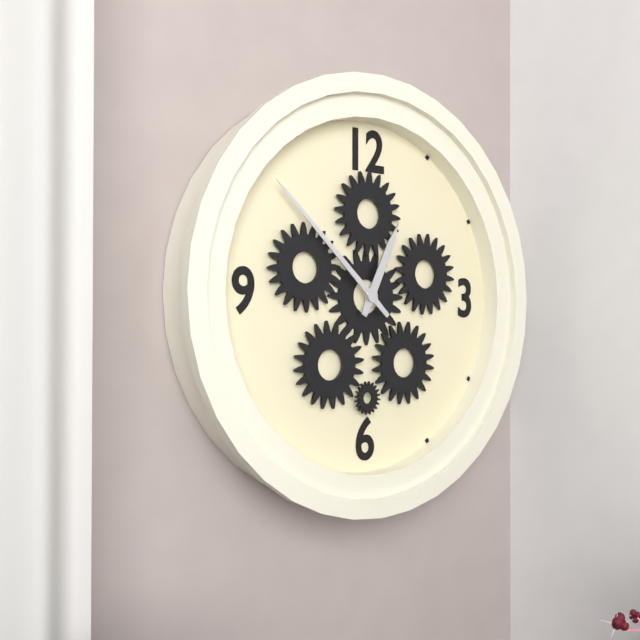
12:52
